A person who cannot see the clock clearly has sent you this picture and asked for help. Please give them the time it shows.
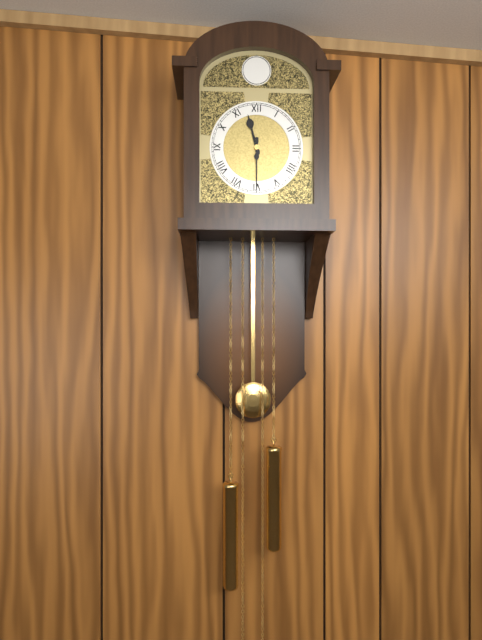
11:30
